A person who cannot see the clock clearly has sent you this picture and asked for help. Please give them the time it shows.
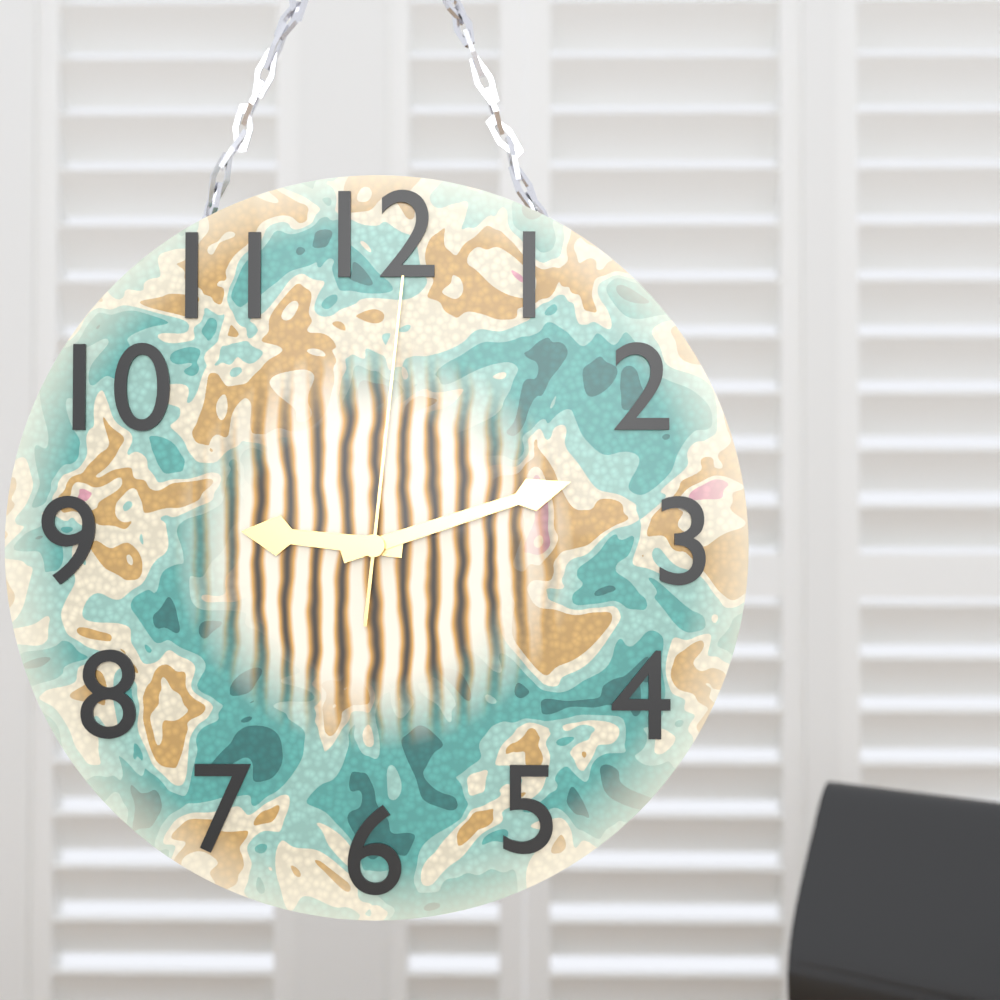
9:12:01
